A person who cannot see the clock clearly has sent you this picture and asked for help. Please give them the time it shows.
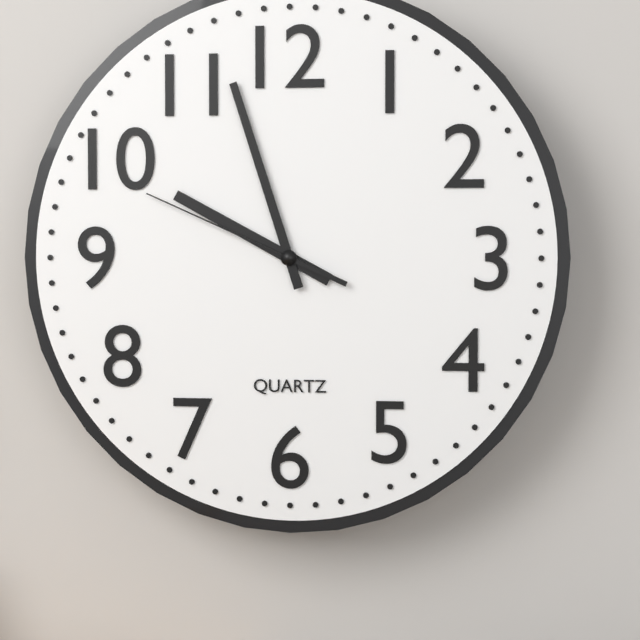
9:57:49
